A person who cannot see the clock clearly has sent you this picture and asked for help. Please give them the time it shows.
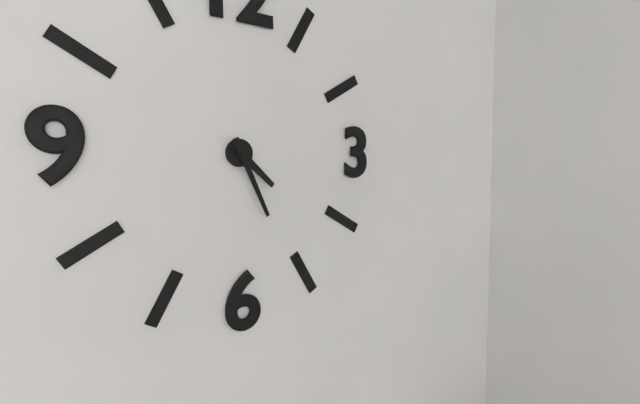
4:26
